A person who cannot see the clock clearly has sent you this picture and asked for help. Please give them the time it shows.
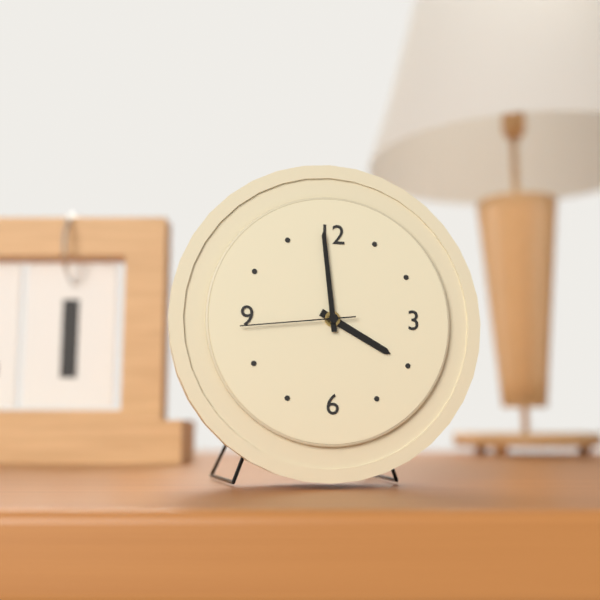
3:59:44
